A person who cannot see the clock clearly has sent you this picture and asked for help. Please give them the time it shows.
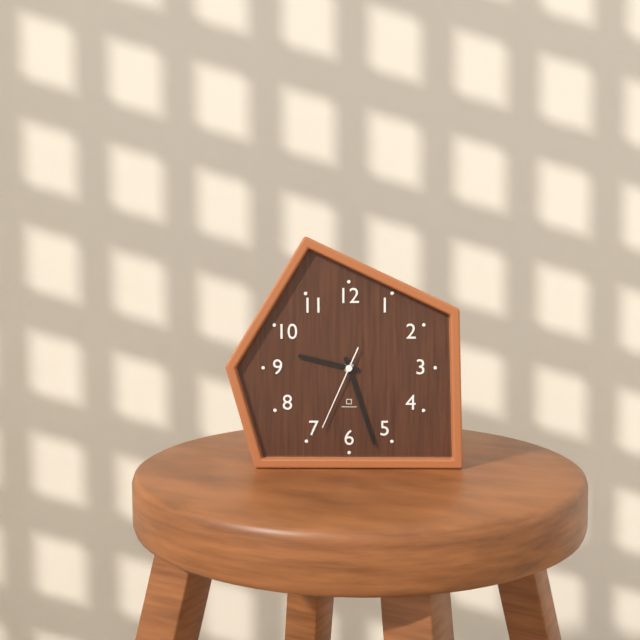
9:27:34
